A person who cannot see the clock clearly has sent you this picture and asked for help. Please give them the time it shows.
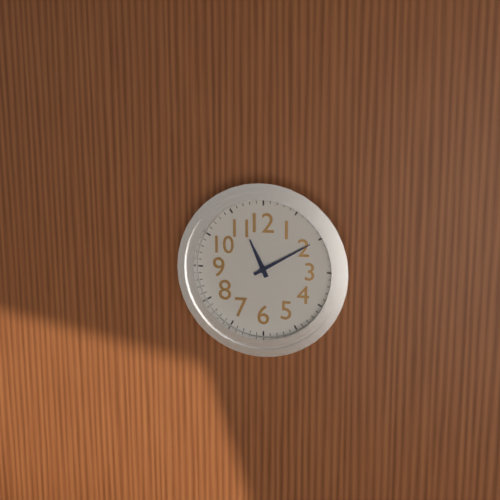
11:10
